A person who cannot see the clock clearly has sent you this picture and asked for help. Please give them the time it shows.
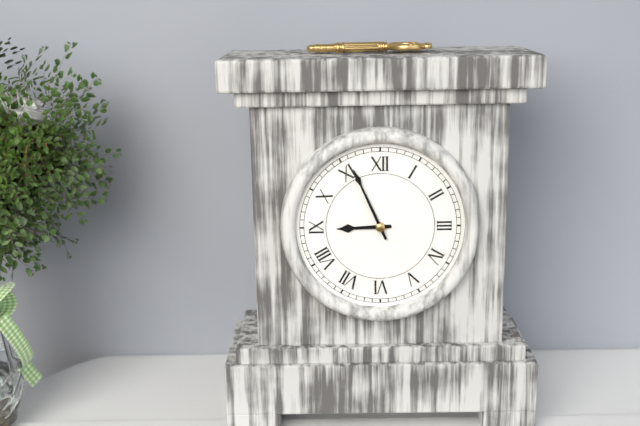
8:56
